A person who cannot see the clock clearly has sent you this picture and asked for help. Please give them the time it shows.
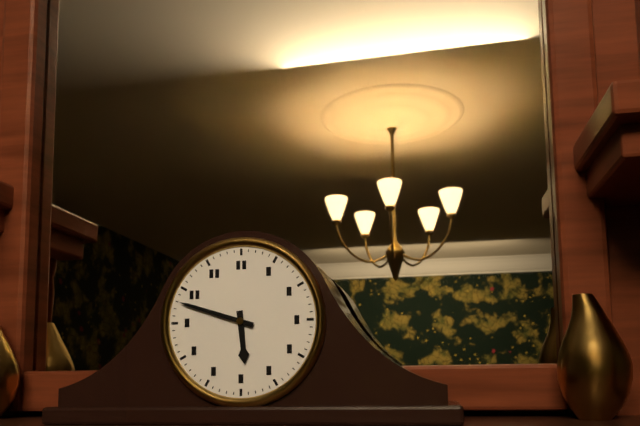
5:48
